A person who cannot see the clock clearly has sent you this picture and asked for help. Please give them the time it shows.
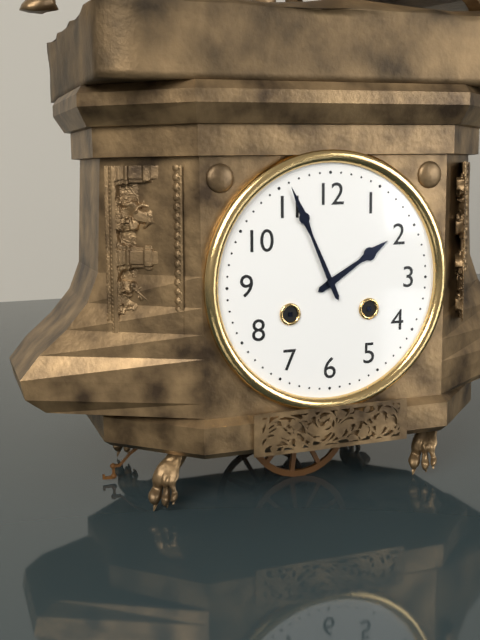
1:56
